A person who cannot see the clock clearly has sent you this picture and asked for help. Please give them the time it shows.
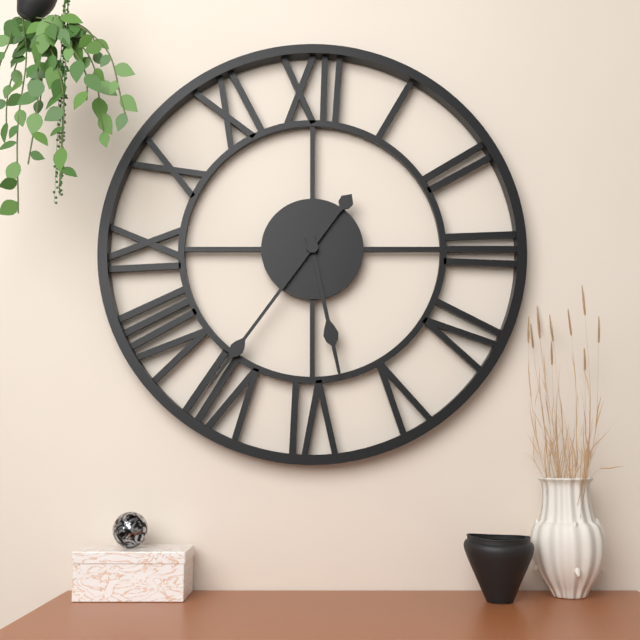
5:36
